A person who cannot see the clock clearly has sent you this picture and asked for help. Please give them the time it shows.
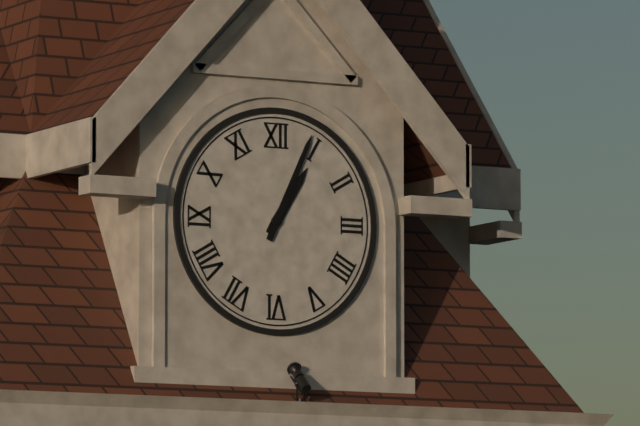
1:04
